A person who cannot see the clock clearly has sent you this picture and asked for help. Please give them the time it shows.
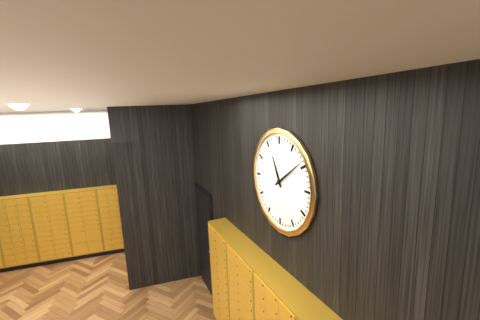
11:09
